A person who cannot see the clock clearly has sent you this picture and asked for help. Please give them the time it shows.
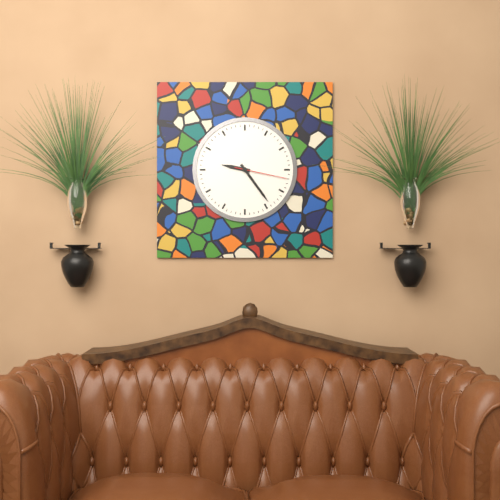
9:24:17
